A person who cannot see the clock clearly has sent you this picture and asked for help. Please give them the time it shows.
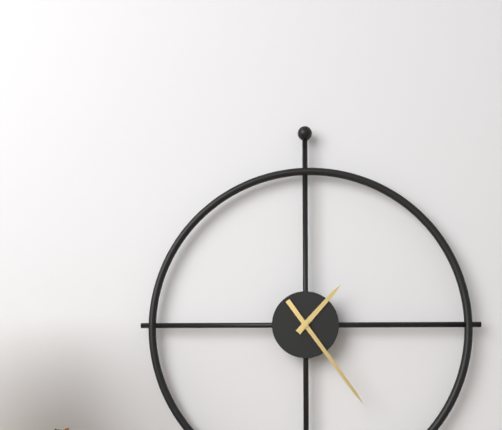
1:24
